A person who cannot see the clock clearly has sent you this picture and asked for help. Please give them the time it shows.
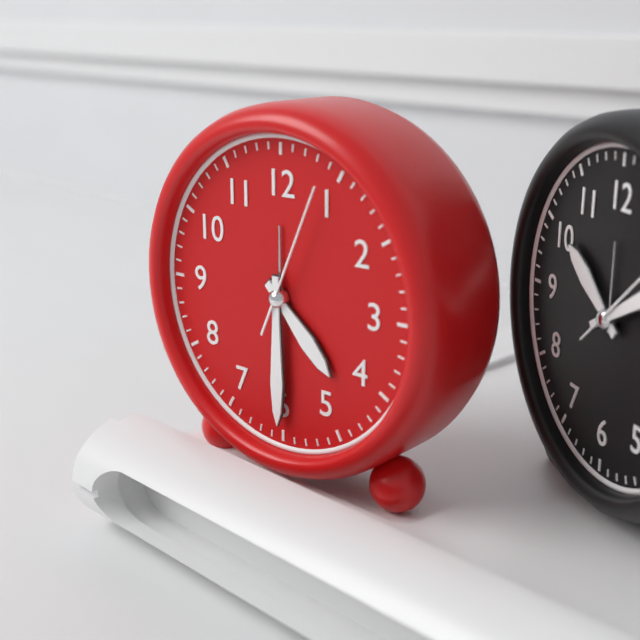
4:30:04
